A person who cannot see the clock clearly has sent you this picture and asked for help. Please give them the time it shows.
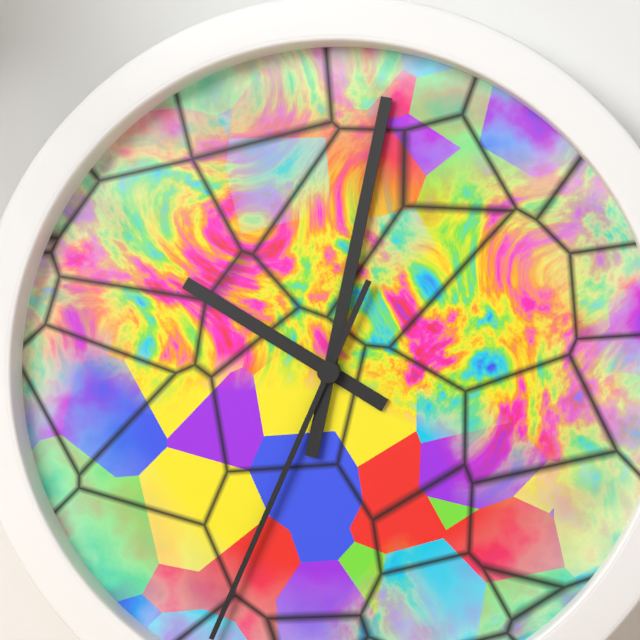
10:02:34
